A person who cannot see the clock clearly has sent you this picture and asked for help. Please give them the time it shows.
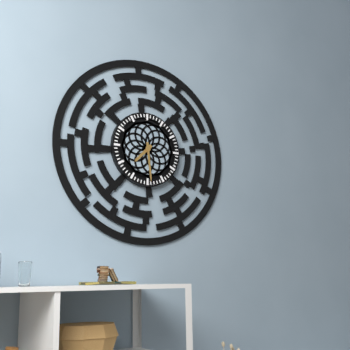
7:29
